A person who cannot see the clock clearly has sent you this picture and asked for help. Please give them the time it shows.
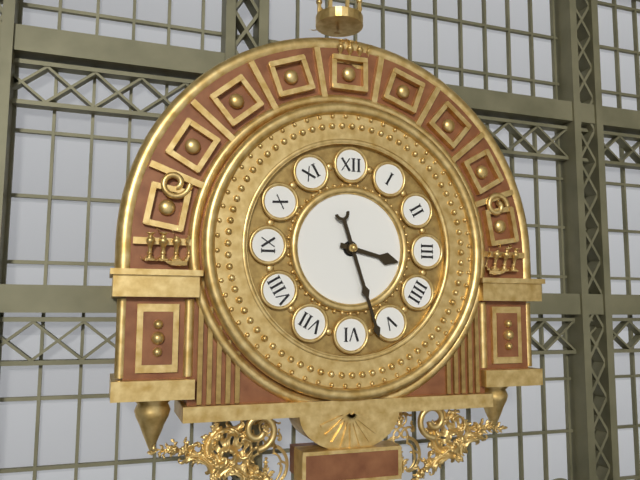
3:27
